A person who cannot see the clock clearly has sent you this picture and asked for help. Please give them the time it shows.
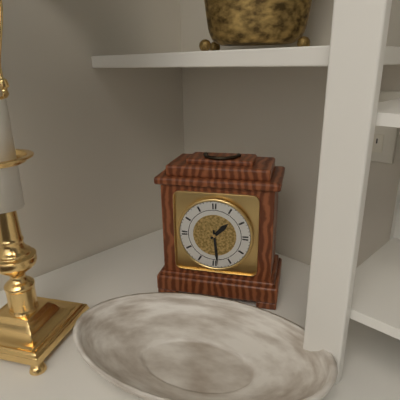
1:29
